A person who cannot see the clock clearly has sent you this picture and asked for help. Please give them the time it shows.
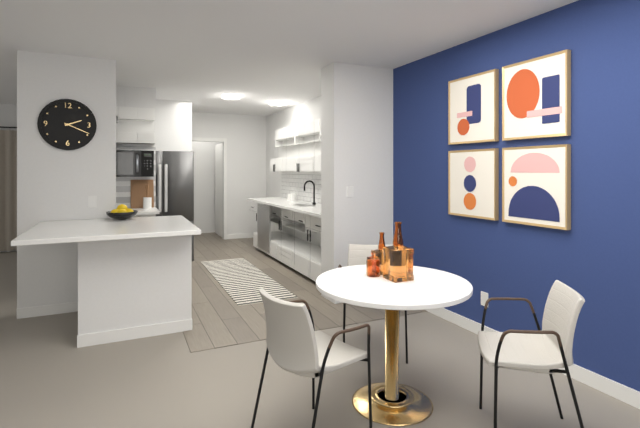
2:19
